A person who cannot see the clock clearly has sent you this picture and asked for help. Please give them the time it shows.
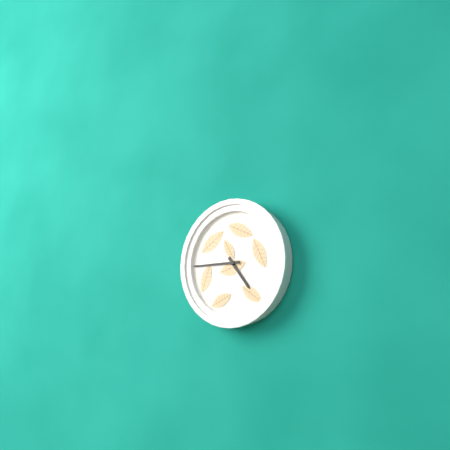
4:45
